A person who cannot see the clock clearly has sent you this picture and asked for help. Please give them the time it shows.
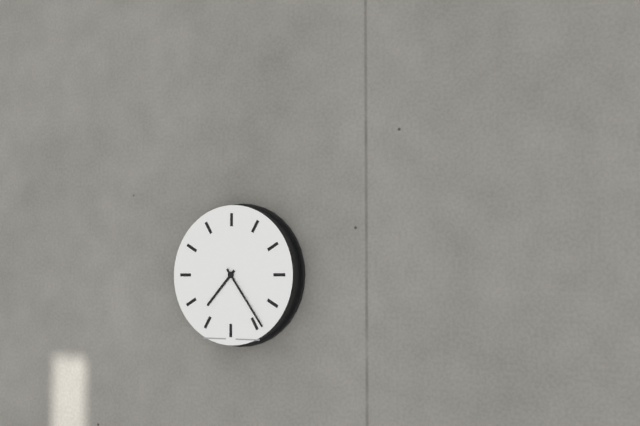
7:24
